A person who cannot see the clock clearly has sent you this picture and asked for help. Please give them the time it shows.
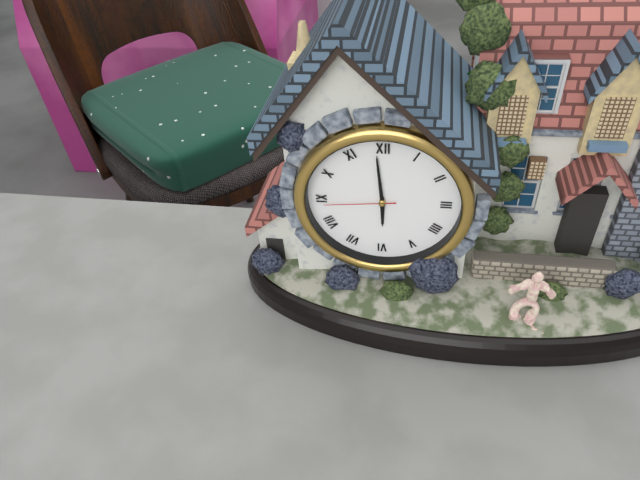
5:59:44
